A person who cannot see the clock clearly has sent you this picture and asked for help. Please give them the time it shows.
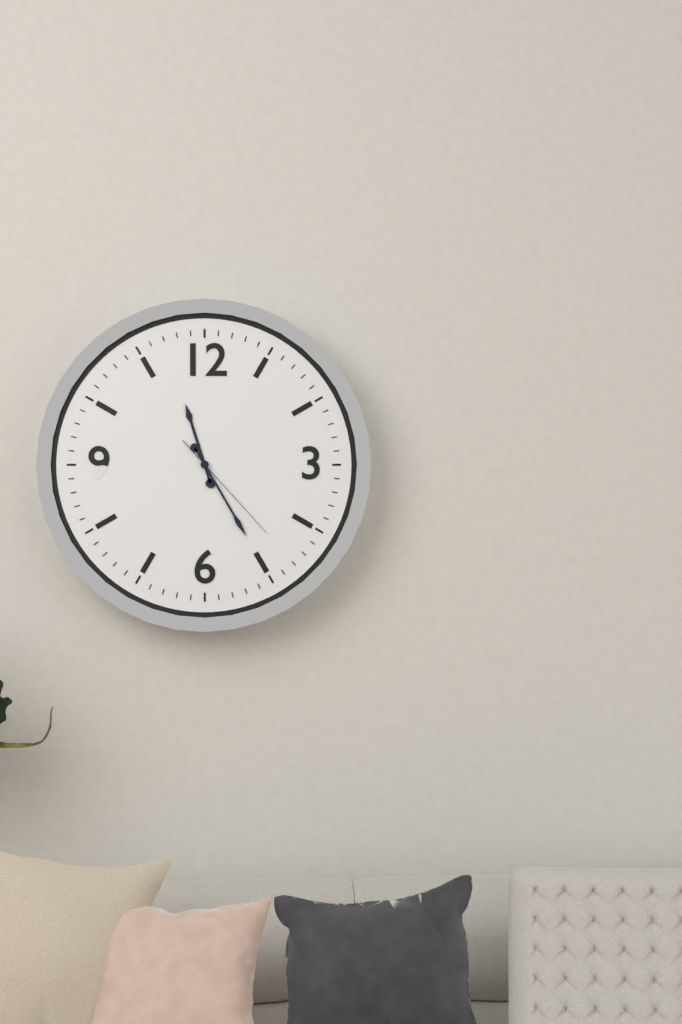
11:25:23
